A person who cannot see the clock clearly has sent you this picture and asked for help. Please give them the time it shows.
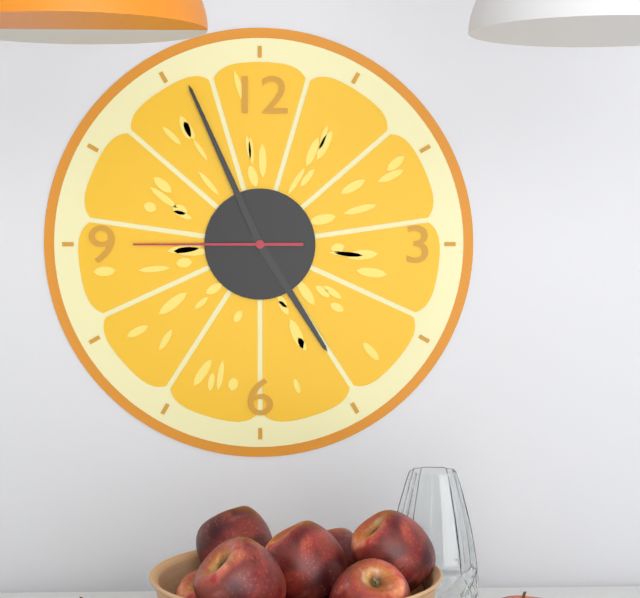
4:56:45
